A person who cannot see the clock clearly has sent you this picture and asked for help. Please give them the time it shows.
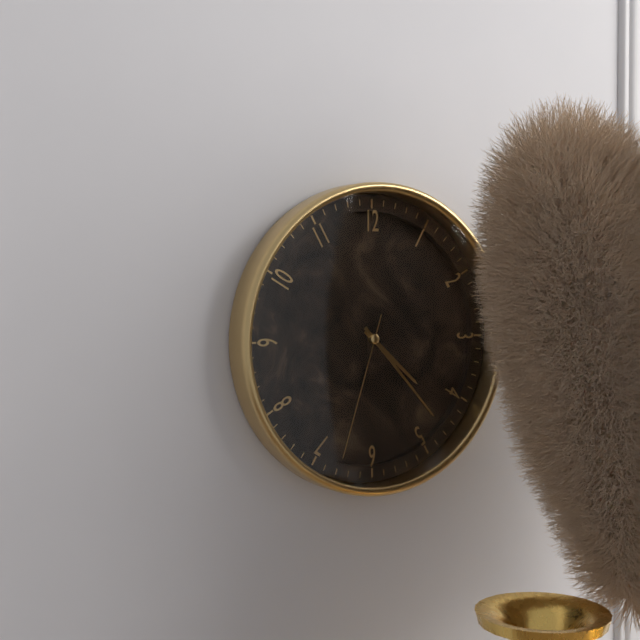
4:23:33
